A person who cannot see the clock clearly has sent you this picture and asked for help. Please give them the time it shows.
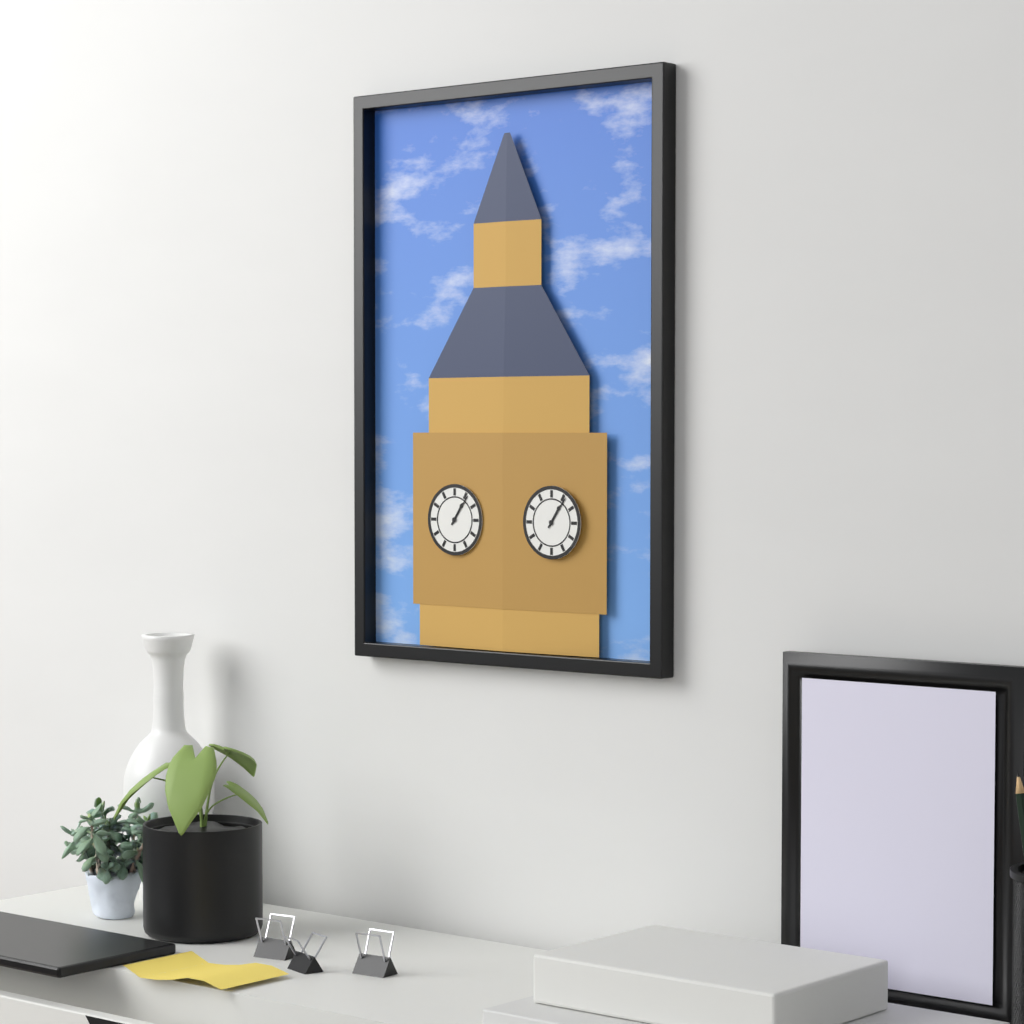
1:06
